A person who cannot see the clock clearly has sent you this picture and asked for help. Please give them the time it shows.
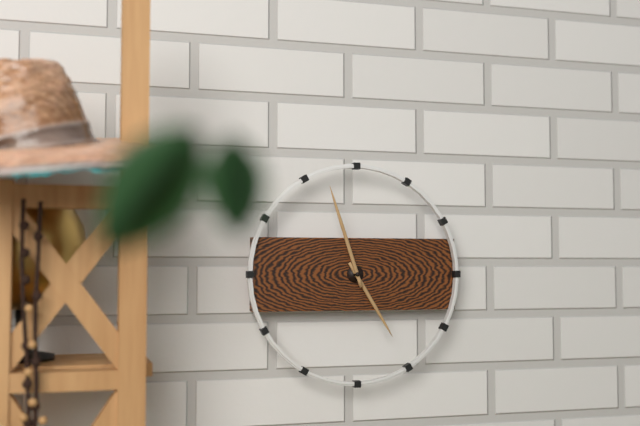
4:57
